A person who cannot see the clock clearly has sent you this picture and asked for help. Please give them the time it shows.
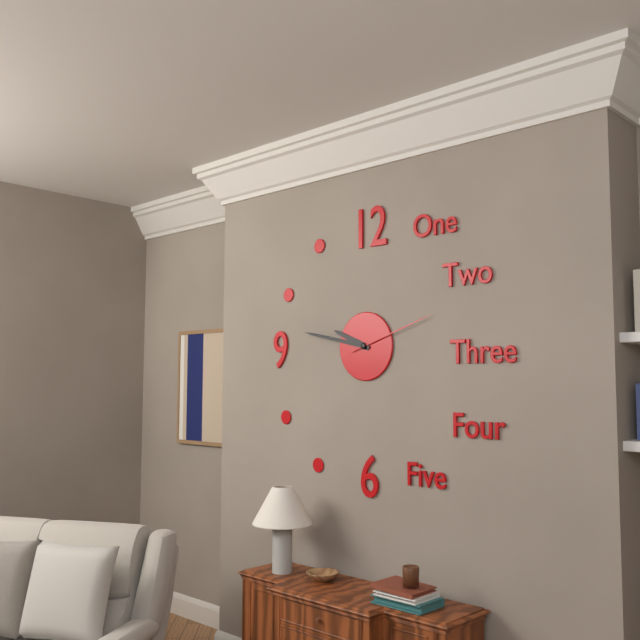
9:47:12
